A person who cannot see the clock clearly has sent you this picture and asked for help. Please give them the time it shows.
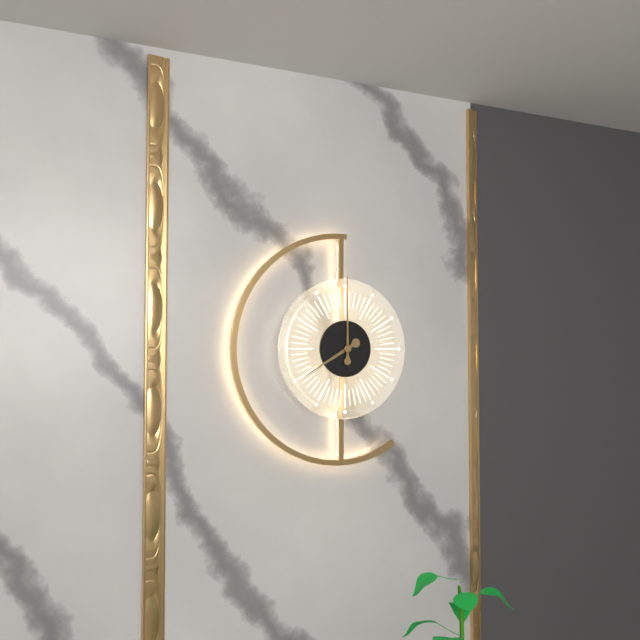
8:00
